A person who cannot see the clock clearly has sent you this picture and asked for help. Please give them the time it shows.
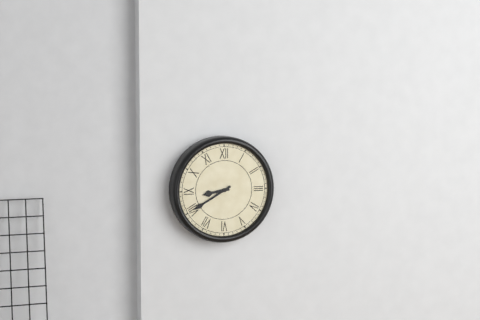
8:40
